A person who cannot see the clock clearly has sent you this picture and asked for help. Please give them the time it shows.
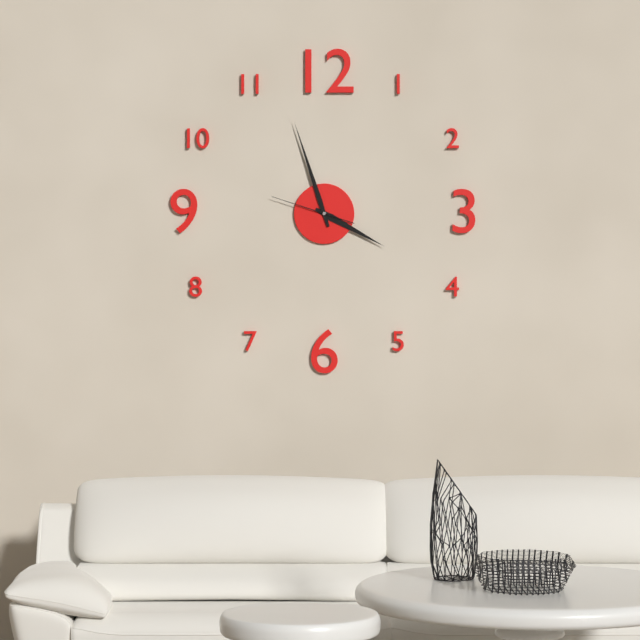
3:57:48
